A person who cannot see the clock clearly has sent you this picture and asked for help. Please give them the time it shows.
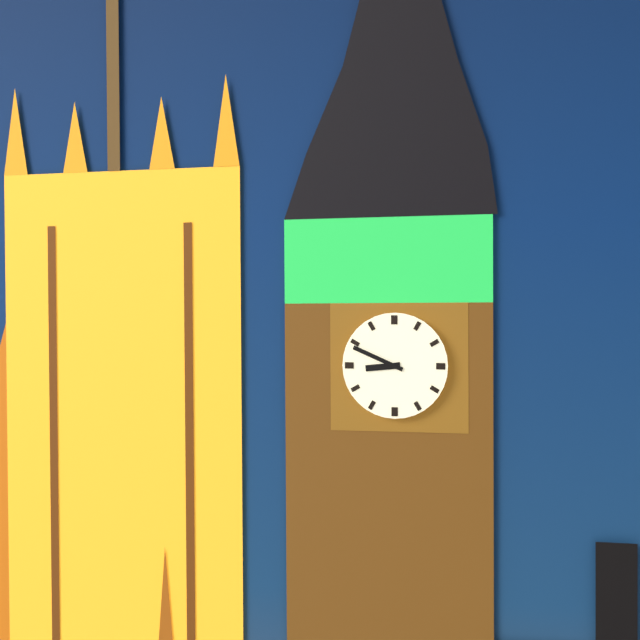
8:49
